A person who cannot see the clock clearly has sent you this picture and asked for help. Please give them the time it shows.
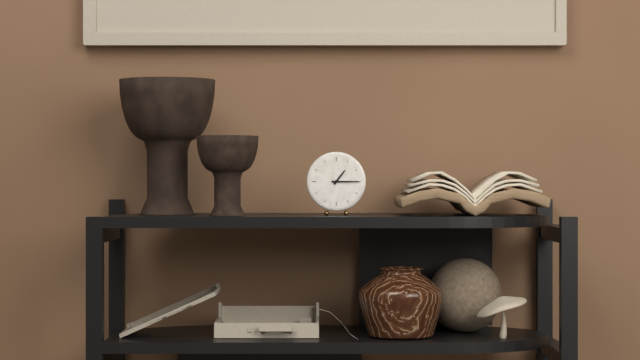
1:15
